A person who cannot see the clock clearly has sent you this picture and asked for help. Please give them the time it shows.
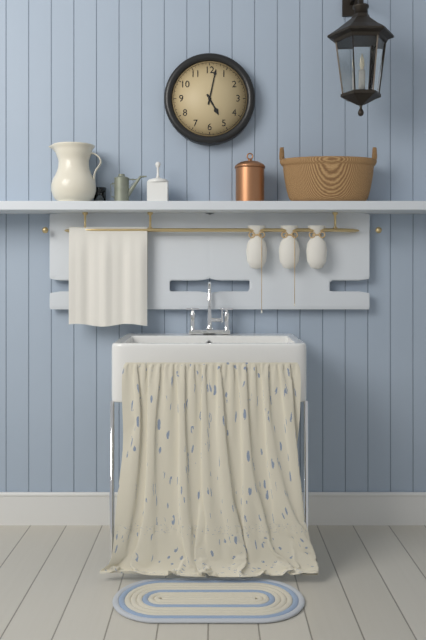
5:02
